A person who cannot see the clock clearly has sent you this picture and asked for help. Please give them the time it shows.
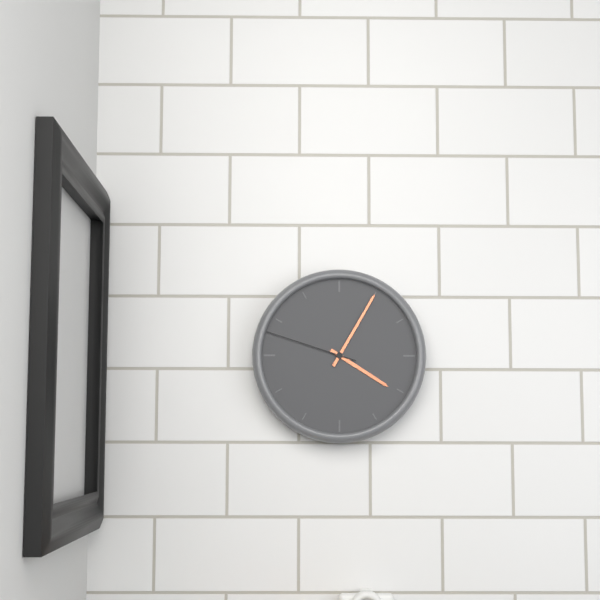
4:05:48
